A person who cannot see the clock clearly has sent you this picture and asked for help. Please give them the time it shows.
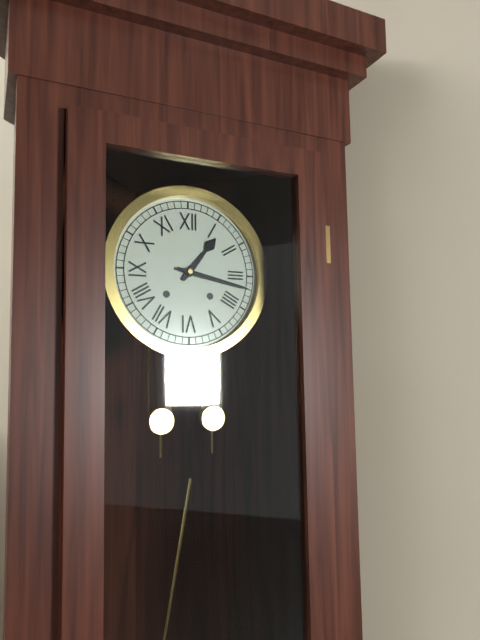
1:17
